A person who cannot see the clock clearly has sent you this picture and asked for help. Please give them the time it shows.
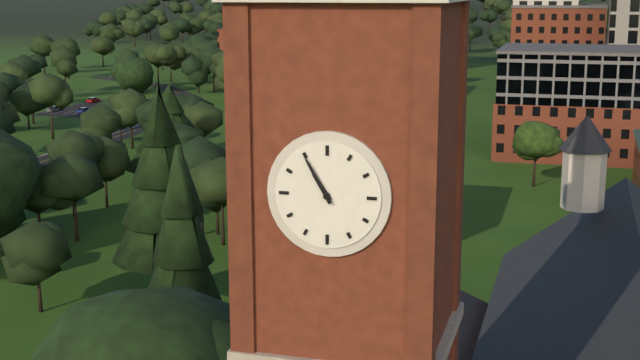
10:55
